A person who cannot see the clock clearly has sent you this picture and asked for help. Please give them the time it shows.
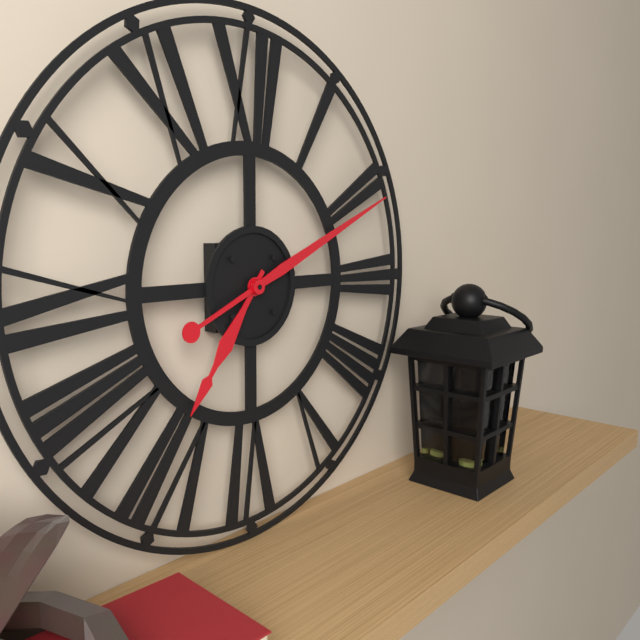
7:11
